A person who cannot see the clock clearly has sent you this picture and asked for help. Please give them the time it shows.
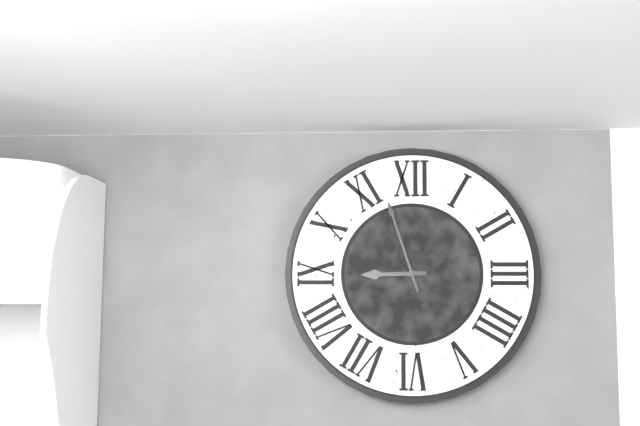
8:57
